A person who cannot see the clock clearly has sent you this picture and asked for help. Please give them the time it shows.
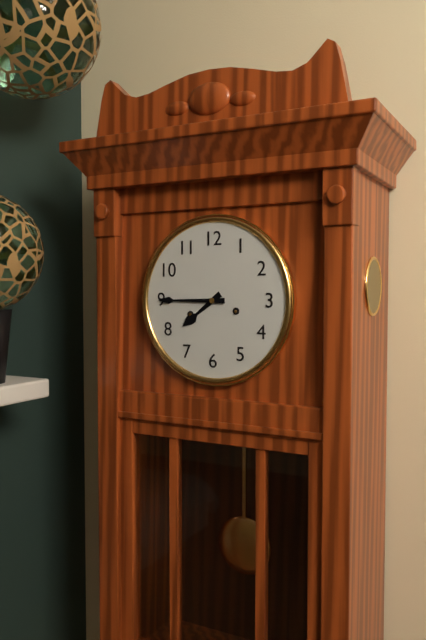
7:45
